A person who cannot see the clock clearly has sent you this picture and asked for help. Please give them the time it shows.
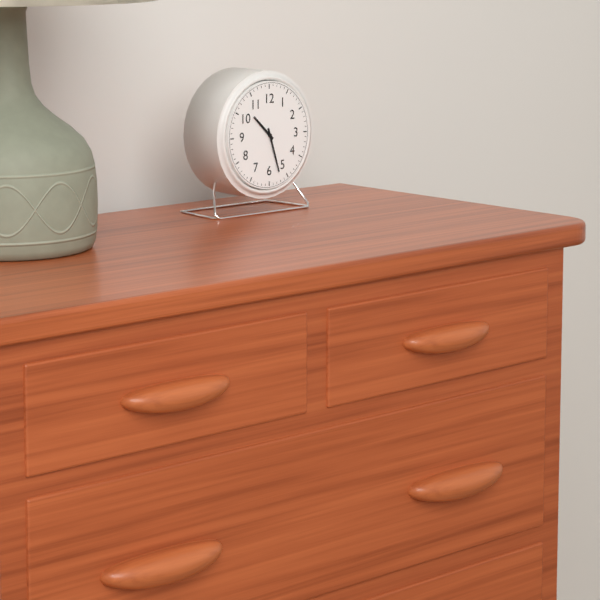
10:27
